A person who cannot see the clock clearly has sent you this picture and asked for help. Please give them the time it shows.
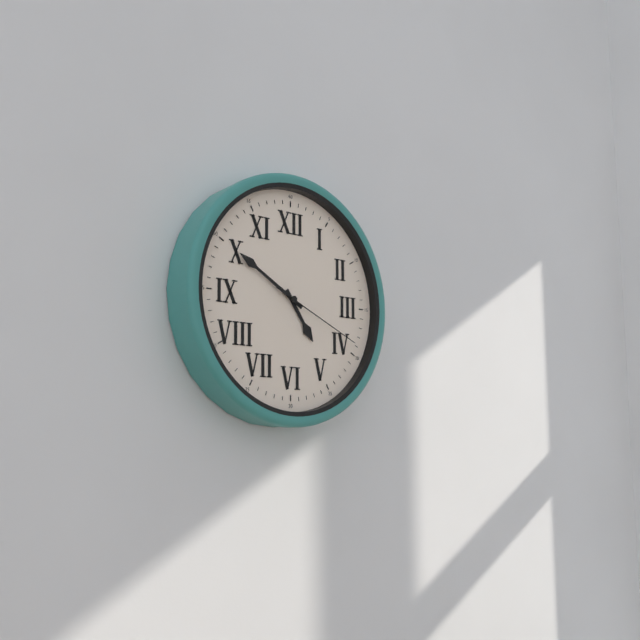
4:50:19
